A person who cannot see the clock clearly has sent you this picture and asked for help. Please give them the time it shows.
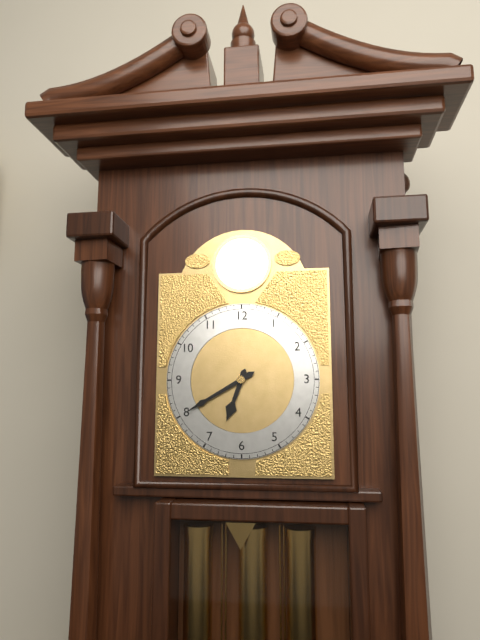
6:40
